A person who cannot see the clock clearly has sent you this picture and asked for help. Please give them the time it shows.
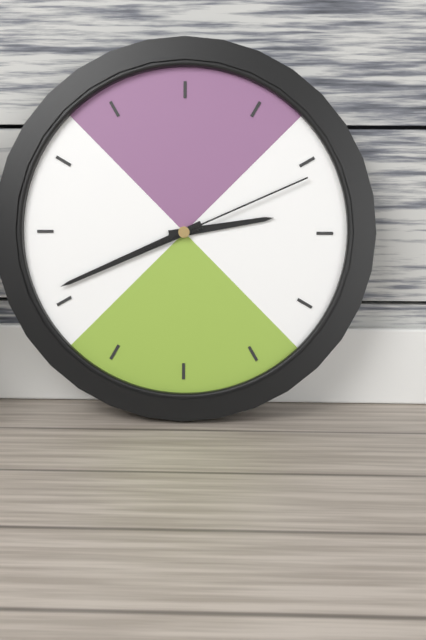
2:41:11
